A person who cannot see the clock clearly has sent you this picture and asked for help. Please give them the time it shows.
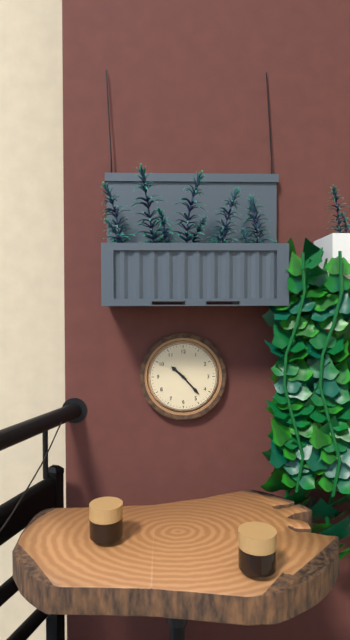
10:23
